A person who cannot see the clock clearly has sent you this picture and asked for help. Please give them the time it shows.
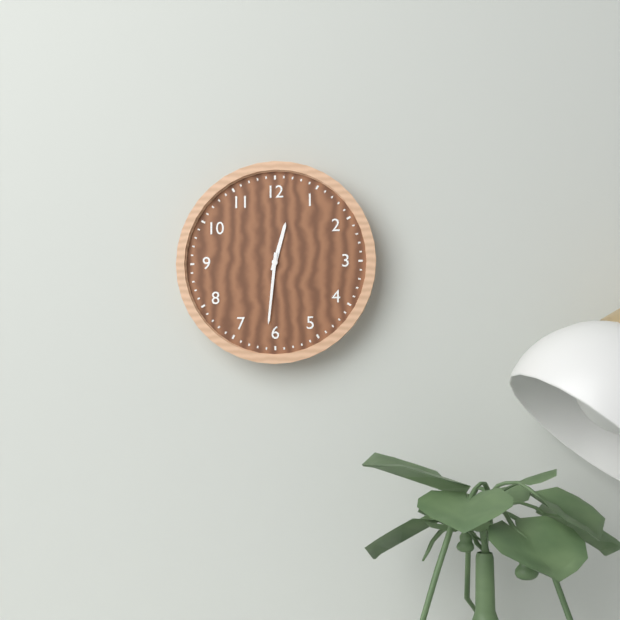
12:31
